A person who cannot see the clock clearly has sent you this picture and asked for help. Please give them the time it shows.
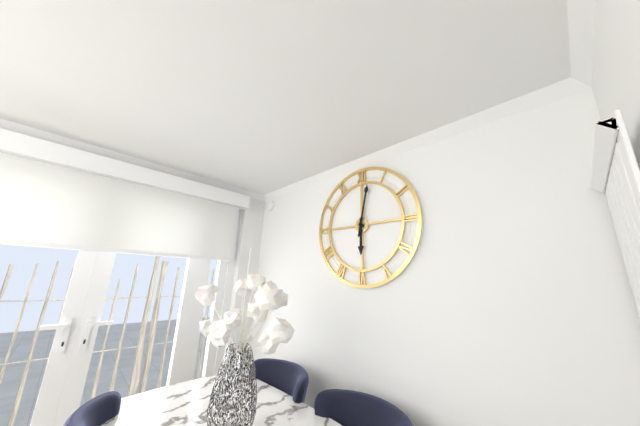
6:02
